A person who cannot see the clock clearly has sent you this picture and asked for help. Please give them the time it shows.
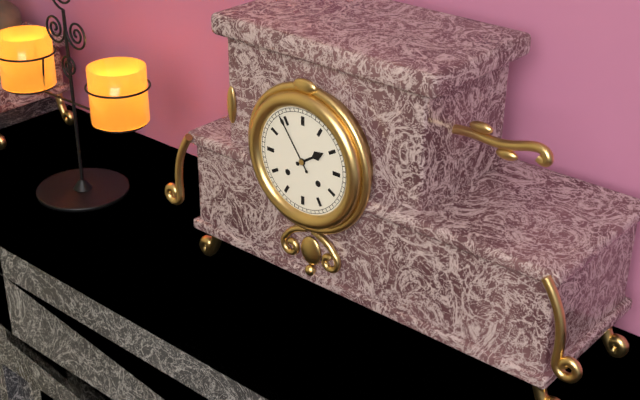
1:54
